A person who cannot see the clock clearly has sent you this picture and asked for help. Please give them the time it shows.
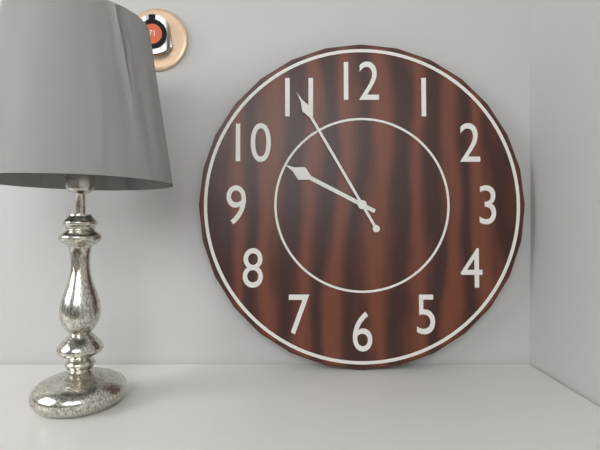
9:55
